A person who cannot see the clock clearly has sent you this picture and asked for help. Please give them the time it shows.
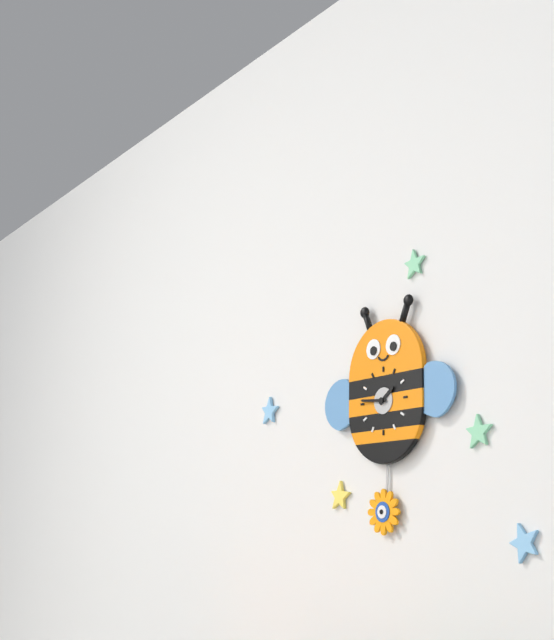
1:46
